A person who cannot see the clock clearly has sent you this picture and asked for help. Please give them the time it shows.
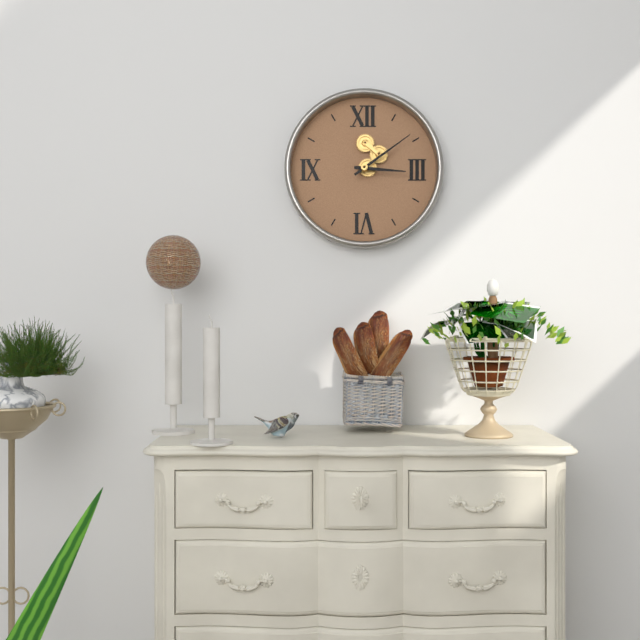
3:09
